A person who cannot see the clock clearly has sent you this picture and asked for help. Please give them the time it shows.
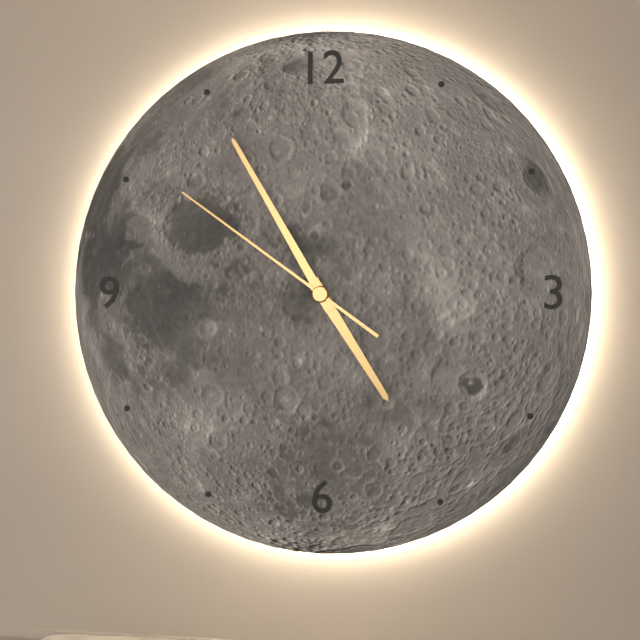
4:55:51
